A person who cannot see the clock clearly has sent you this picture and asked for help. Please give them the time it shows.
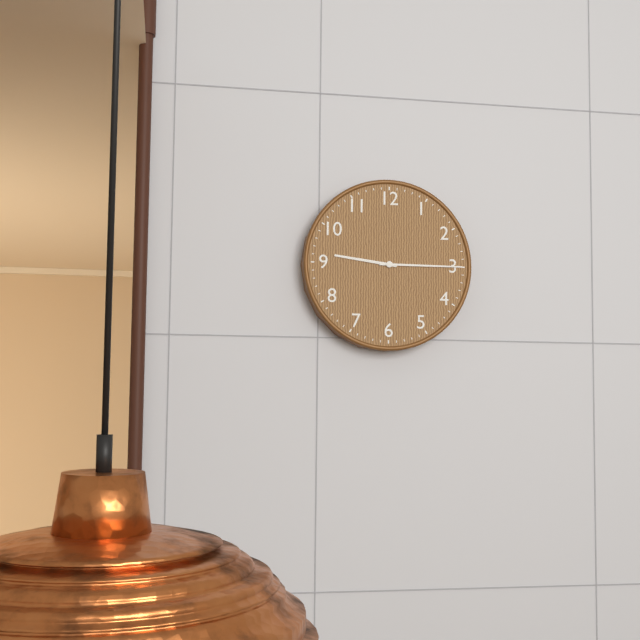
9:15
